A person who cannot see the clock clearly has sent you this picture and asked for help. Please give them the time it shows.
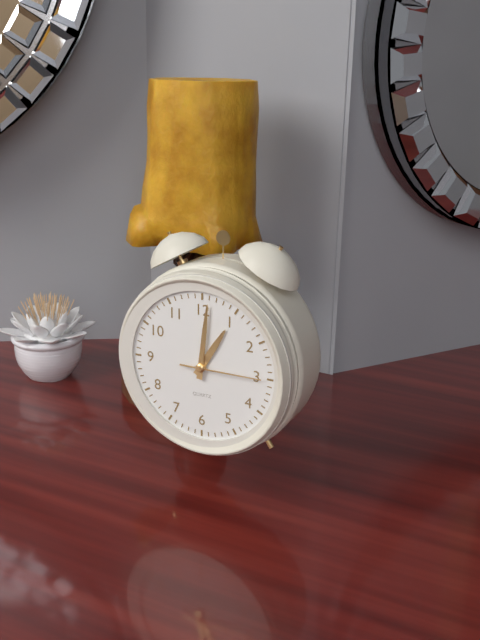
1:01:15
